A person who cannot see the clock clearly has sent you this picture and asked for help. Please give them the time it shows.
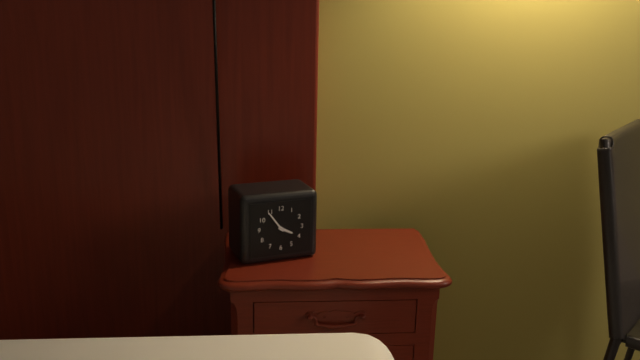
3:54
